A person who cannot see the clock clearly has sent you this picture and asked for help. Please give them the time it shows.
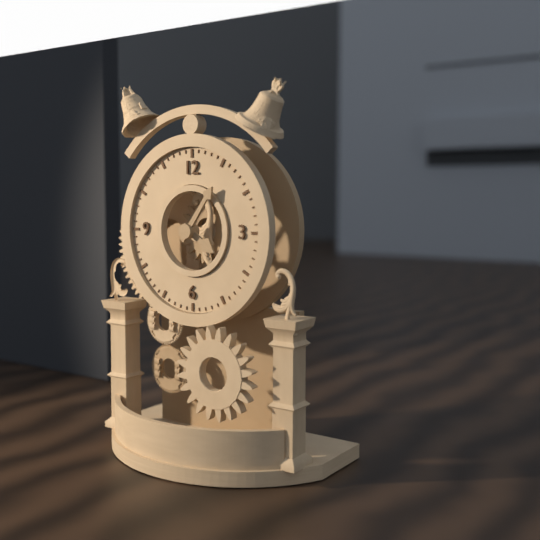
4:06
